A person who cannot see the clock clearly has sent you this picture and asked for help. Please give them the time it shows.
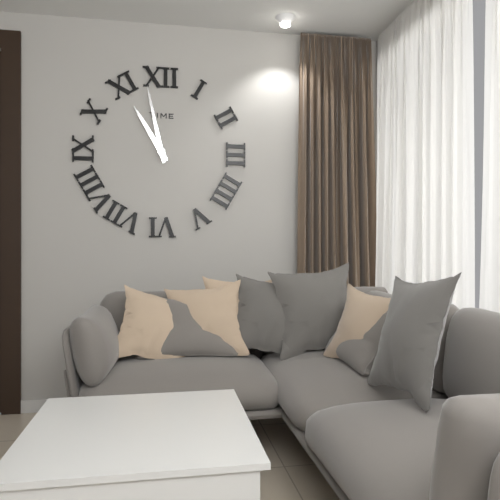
10:58
